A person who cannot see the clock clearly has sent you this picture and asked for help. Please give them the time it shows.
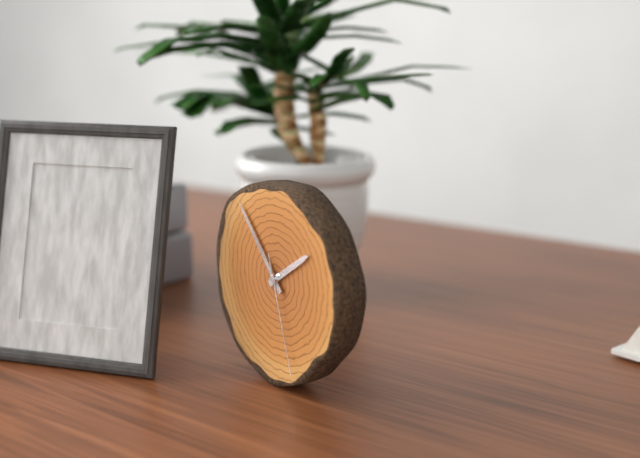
1:53:27
